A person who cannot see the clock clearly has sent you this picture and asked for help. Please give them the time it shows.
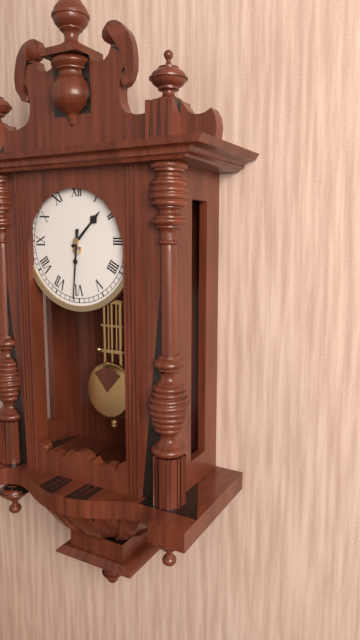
1:31
